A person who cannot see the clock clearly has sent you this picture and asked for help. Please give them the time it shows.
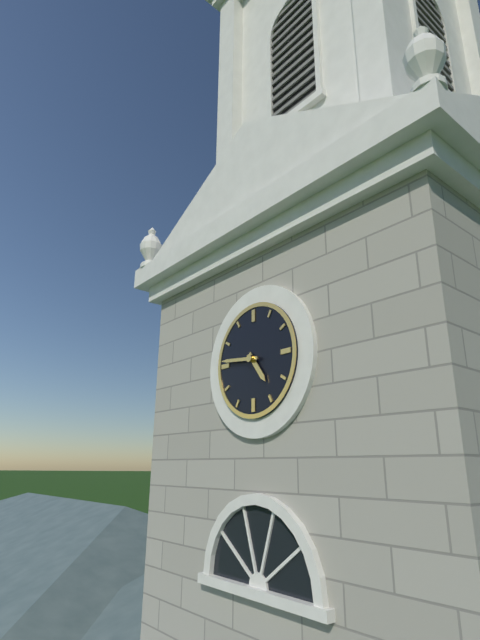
4:46
